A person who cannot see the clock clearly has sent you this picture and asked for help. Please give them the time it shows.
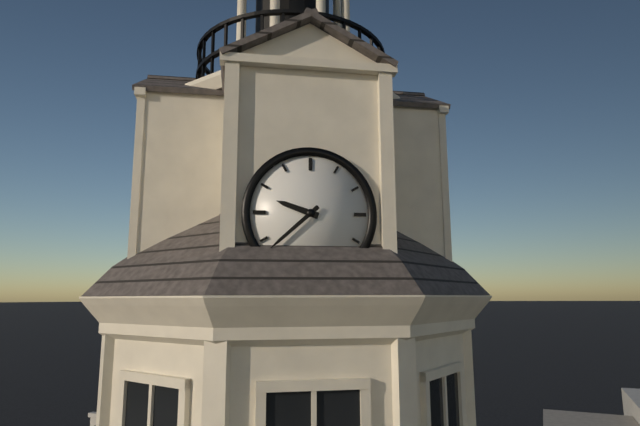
9:38
